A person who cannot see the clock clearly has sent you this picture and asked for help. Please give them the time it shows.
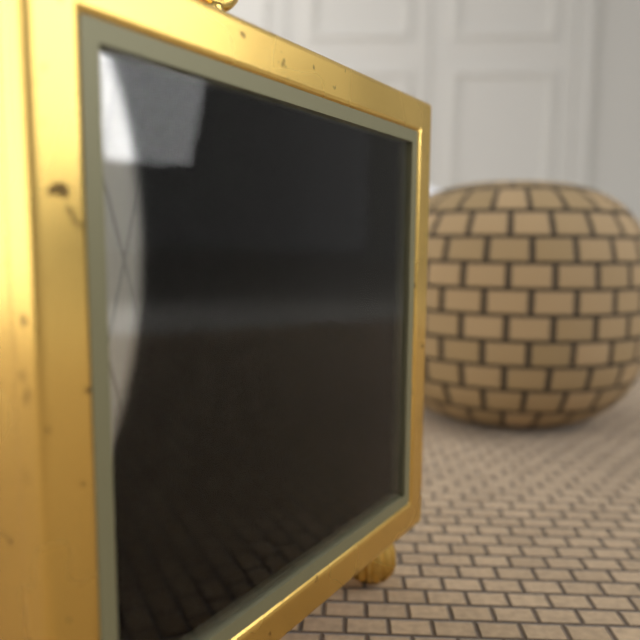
10:55
